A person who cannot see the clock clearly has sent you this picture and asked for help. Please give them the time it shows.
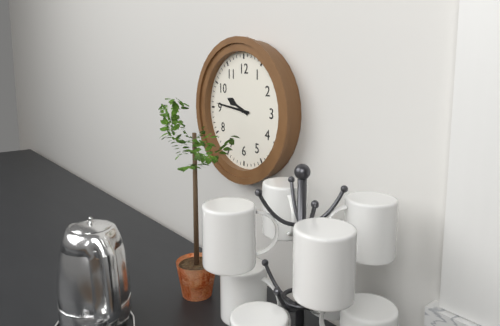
9:46
